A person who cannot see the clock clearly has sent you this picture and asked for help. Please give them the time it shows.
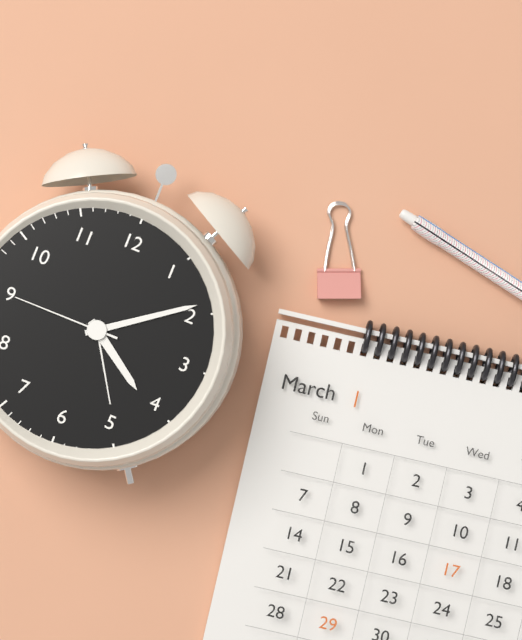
4:09:45
